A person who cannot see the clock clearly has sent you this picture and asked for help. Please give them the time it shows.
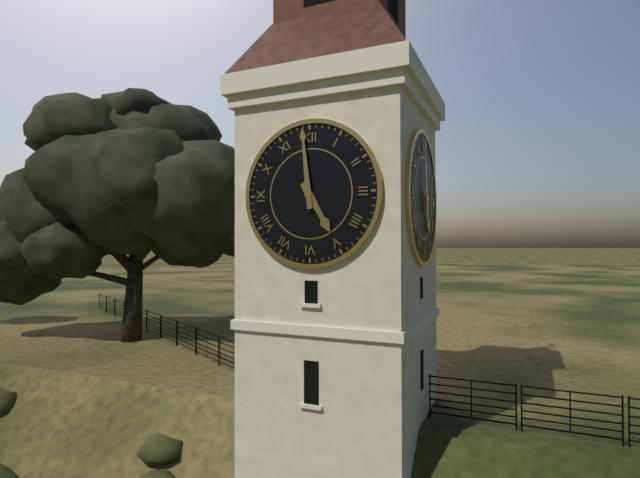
4:59
